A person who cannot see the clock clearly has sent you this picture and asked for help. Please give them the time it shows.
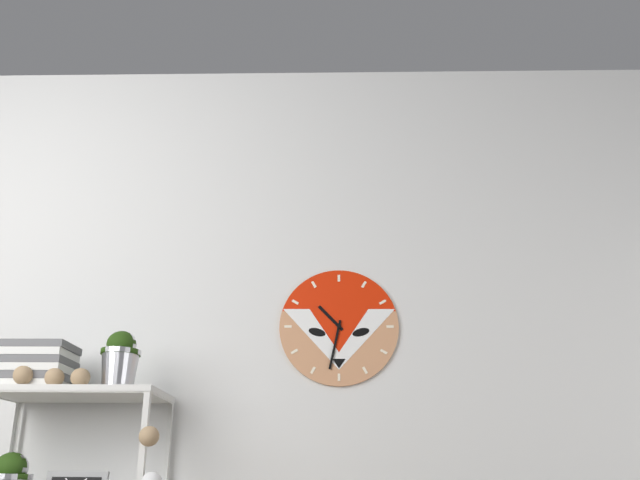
10:32
